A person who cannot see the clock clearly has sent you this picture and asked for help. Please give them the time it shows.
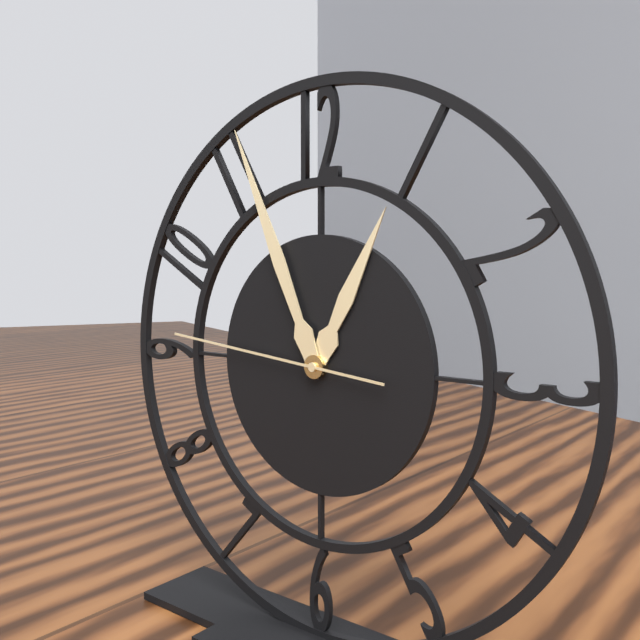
12:56:46
